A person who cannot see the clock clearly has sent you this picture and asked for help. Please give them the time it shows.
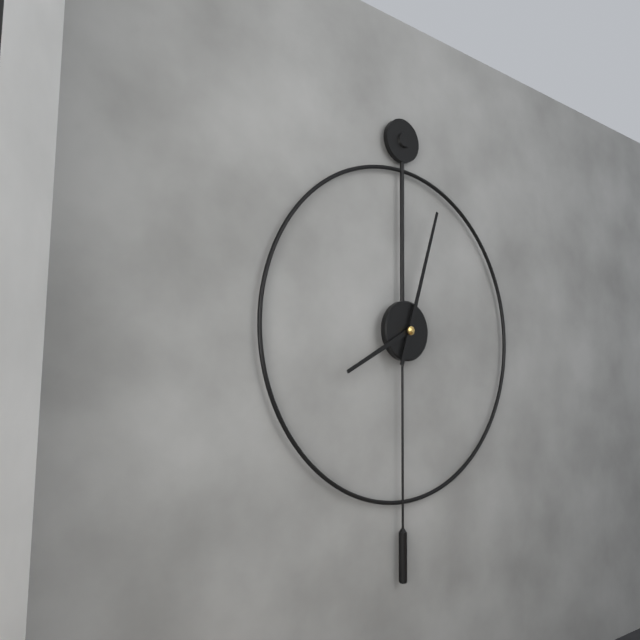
8:03
